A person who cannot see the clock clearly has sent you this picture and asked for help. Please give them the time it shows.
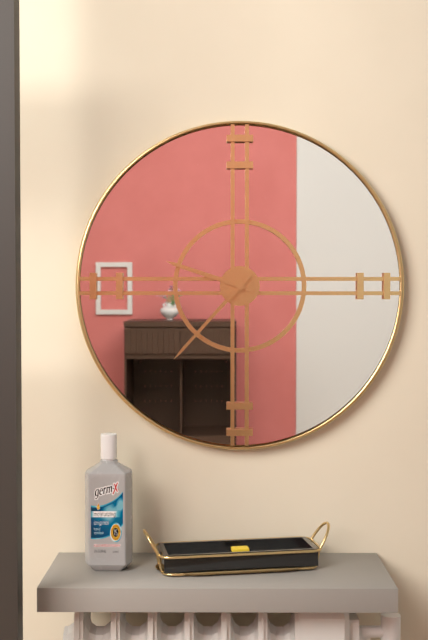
9:37
